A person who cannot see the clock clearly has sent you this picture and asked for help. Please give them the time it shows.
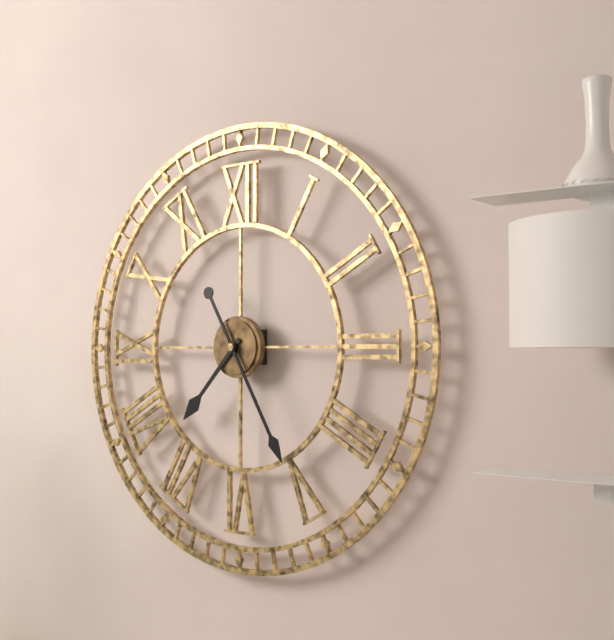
7:25
